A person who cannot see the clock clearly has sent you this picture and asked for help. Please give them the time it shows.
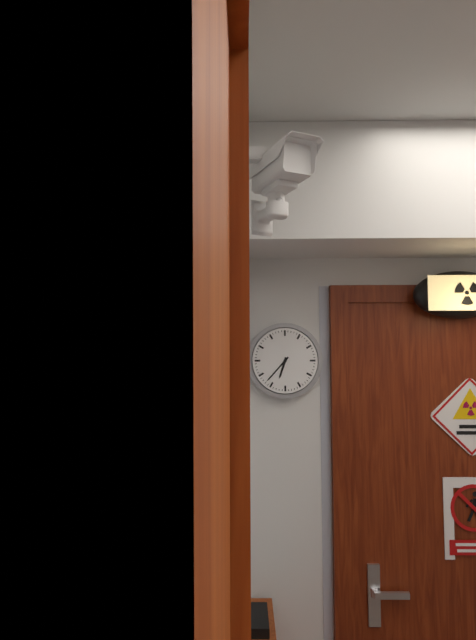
6:37
